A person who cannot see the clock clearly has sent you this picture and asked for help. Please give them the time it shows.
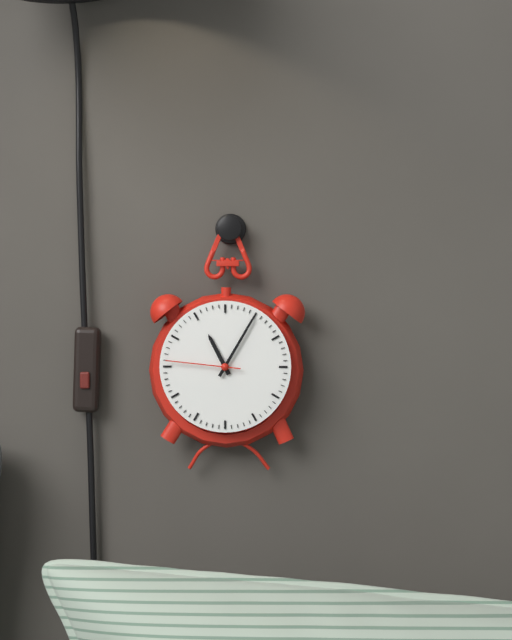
11:05:46
